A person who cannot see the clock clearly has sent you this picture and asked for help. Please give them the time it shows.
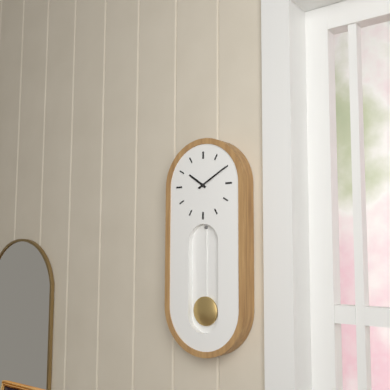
10:10
